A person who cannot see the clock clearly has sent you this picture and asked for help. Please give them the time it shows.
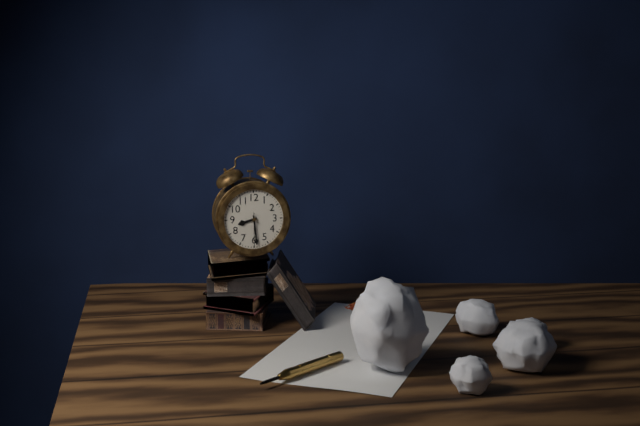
8:29
